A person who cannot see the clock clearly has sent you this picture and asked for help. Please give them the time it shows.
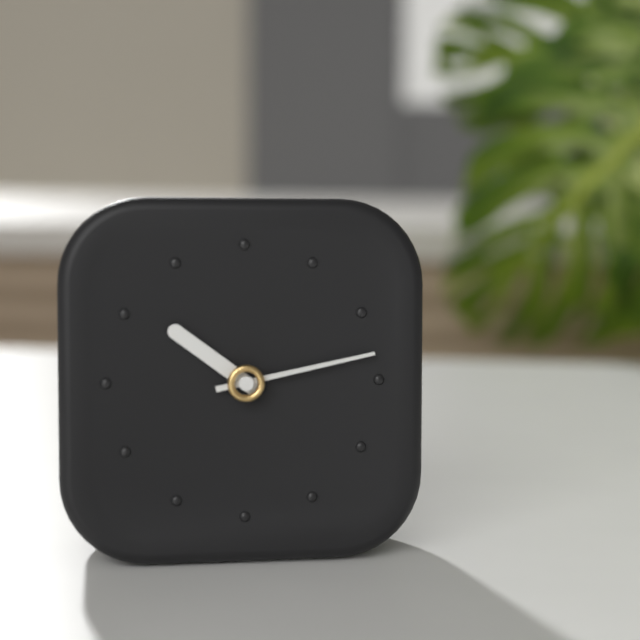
10:13
